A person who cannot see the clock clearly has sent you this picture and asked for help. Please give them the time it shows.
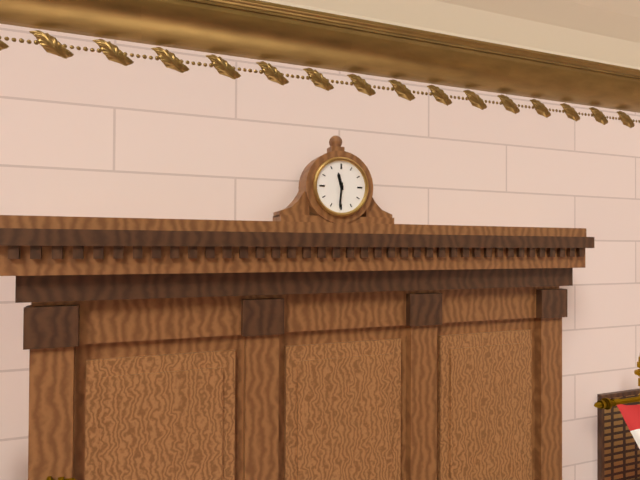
11:31
